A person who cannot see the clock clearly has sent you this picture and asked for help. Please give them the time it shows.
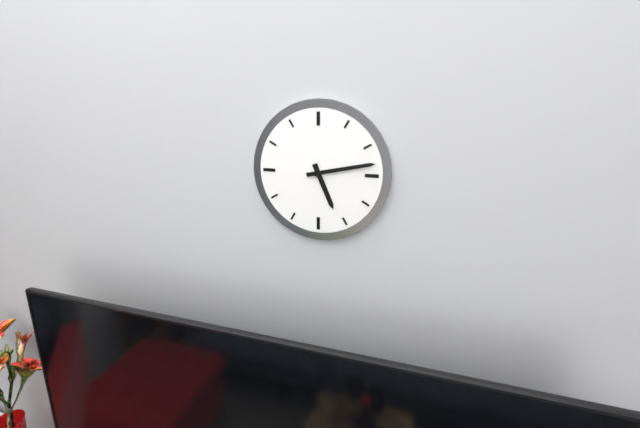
5:13
